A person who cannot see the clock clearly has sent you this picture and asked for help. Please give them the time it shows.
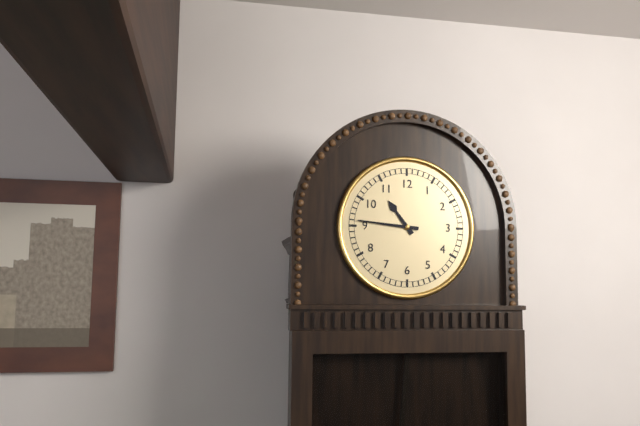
10:46
